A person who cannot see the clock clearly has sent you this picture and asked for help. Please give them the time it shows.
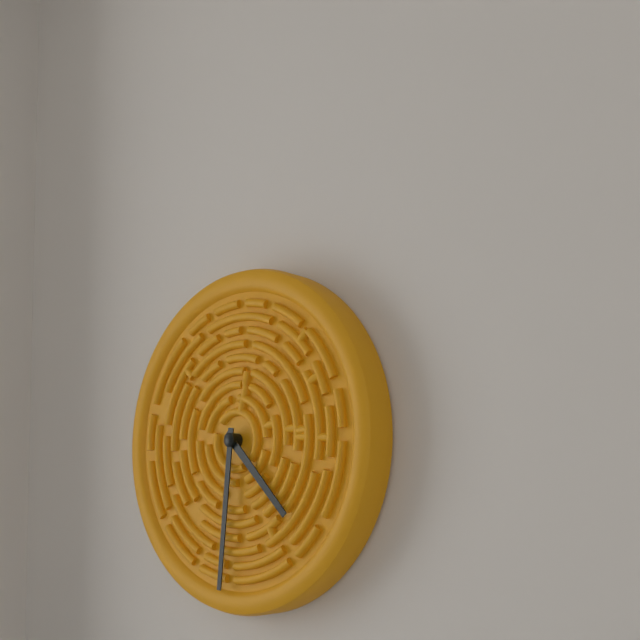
4:31
